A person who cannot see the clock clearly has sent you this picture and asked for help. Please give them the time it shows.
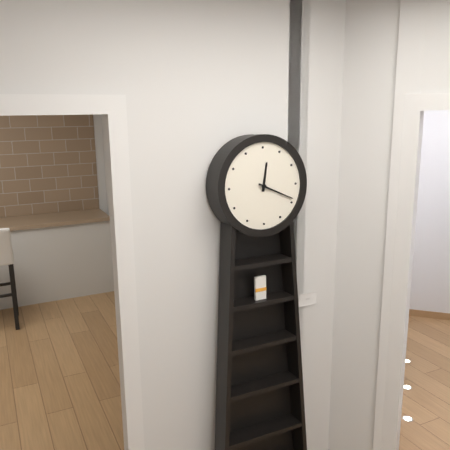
12:19
